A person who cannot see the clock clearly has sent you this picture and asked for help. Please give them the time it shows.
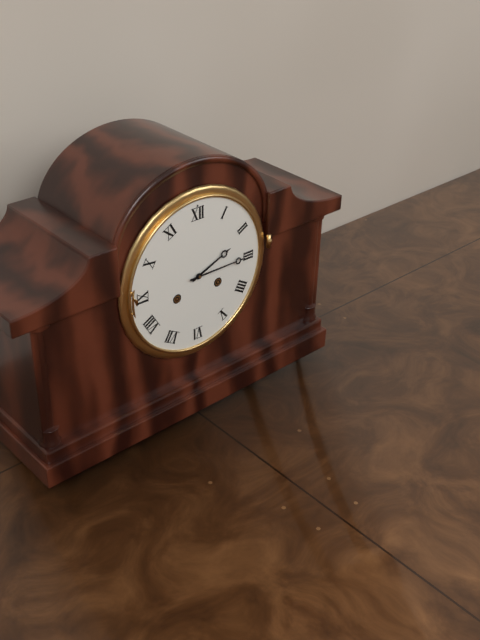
2:15
